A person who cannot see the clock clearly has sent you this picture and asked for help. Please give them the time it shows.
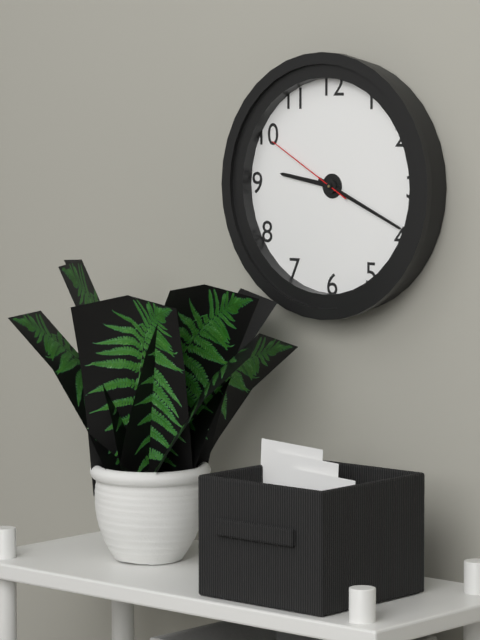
9:19:50
